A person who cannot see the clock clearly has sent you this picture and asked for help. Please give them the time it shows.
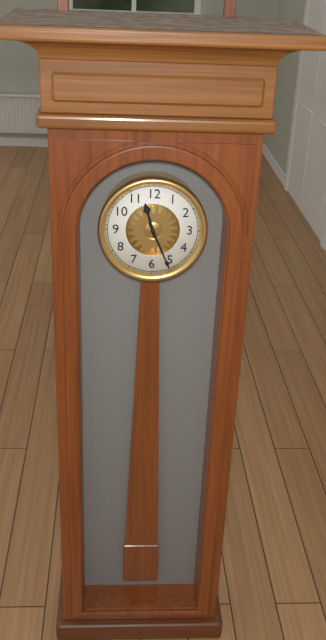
11:26
